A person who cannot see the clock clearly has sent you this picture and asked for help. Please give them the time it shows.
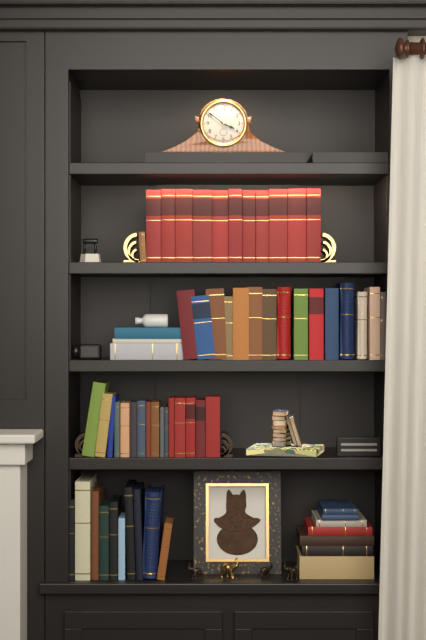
3:51
